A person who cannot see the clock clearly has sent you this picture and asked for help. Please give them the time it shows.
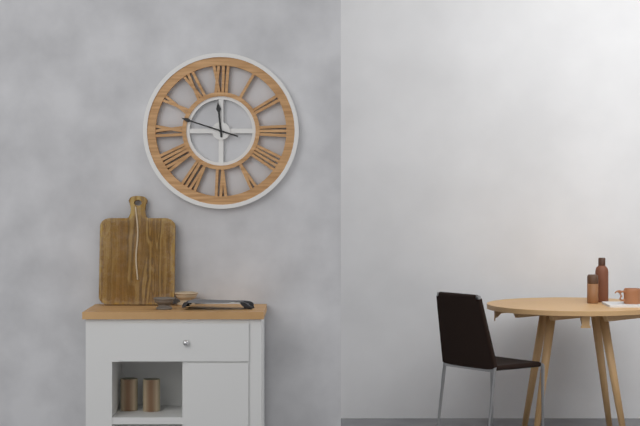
11:48
